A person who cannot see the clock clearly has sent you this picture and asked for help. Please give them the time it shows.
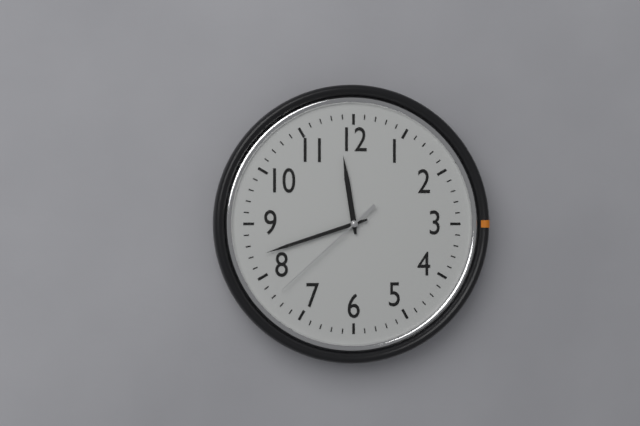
11:42:38
